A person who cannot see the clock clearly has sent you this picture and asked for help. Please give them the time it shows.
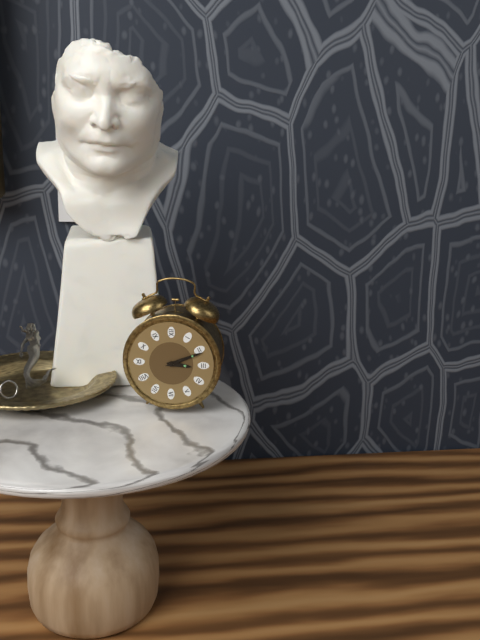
3:11
